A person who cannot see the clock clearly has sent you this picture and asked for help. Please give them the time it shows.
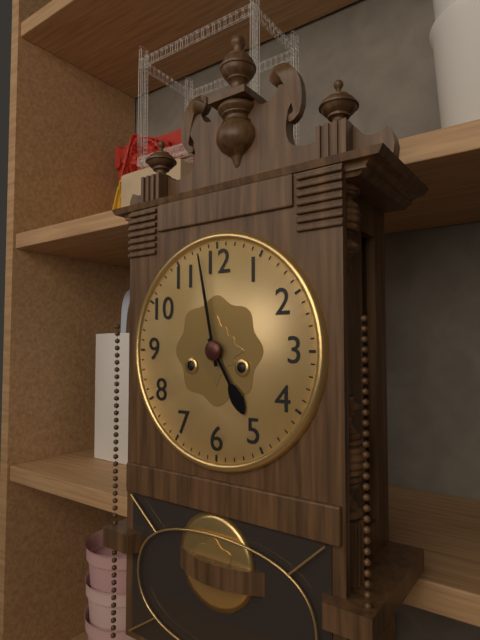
4:58
